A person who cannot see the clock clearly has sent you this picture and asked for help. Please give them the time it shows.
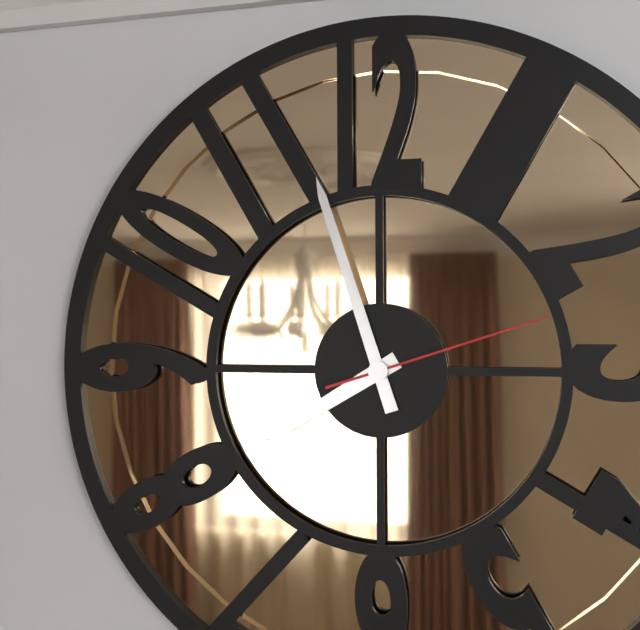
7:57:12
